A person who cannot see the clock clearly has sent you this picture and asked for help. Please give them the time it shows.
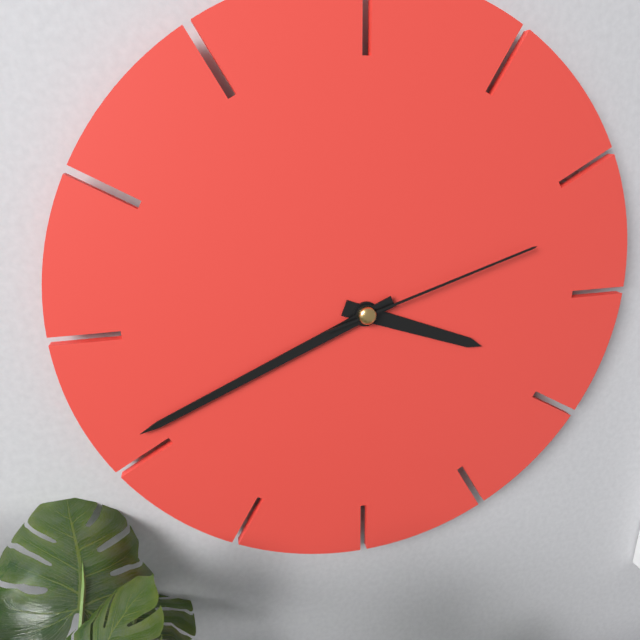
3:41:12
